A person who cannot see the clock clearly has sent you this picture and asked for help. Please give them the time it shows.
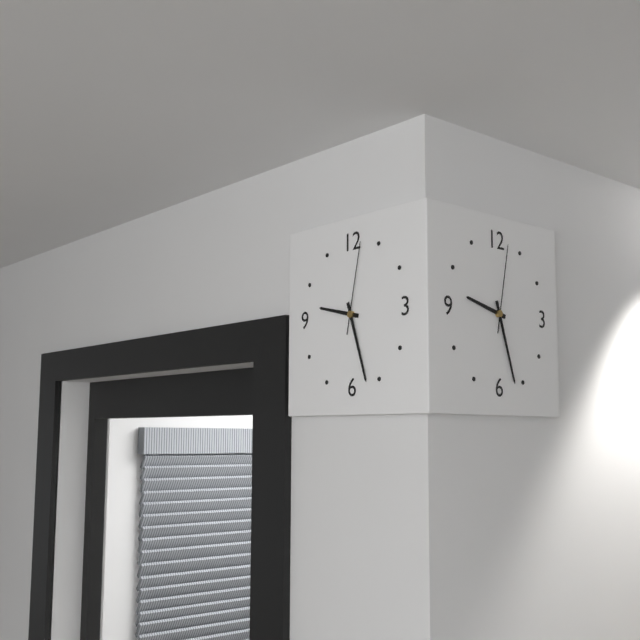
9:27:02
